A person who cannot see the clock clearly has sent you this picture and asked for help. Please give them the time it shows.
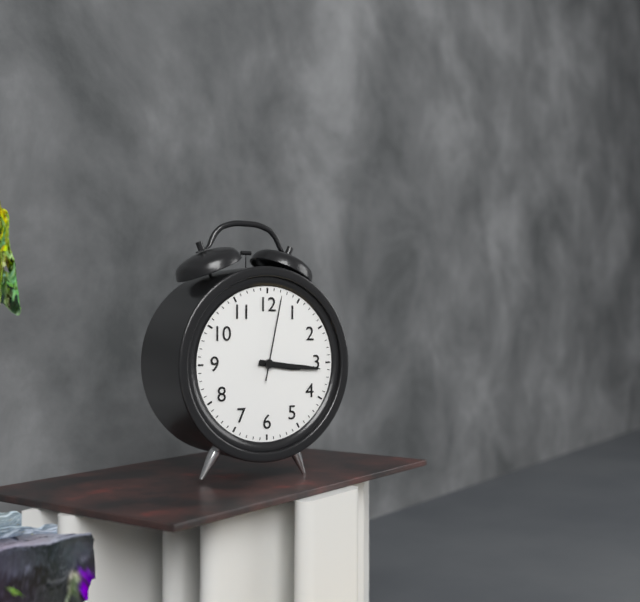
3:16:02
